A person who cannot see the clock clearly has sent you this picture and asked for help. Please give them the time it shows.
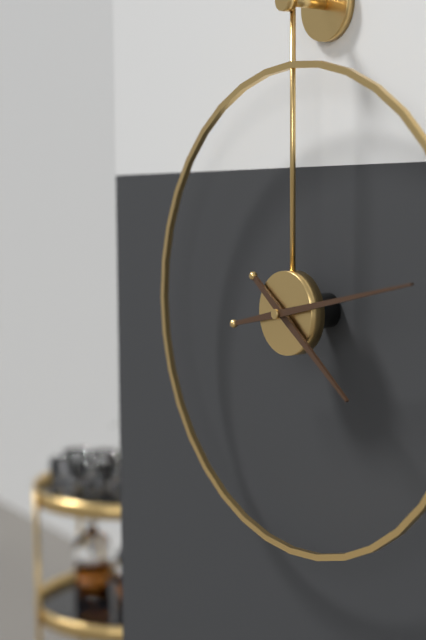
4:13
